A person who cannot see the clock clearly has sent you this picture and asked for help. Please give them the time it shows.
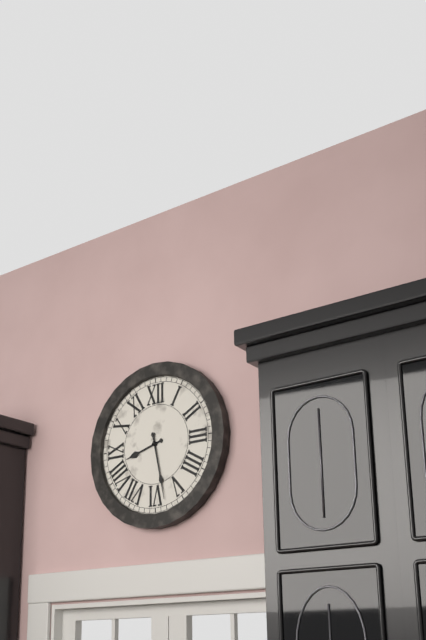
8:28
